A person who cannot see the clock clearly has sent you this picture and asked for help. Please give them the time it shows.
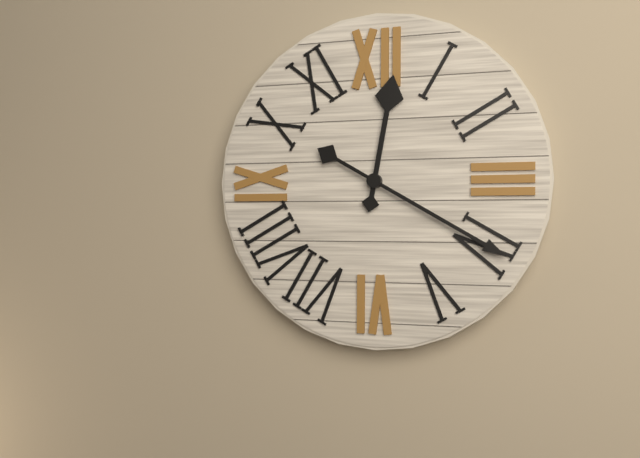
12:20
